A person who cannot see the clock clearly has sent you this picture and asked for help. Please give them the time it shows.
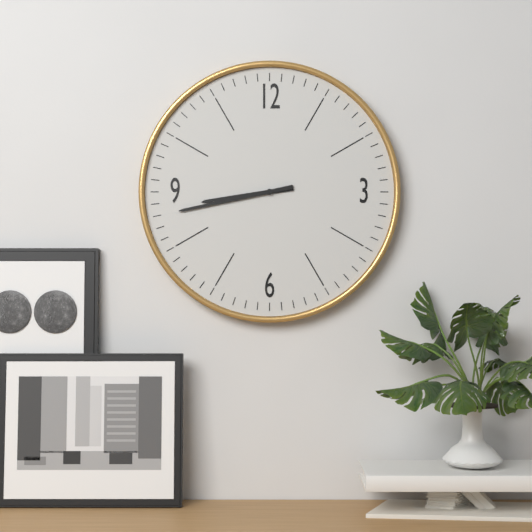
8:43
